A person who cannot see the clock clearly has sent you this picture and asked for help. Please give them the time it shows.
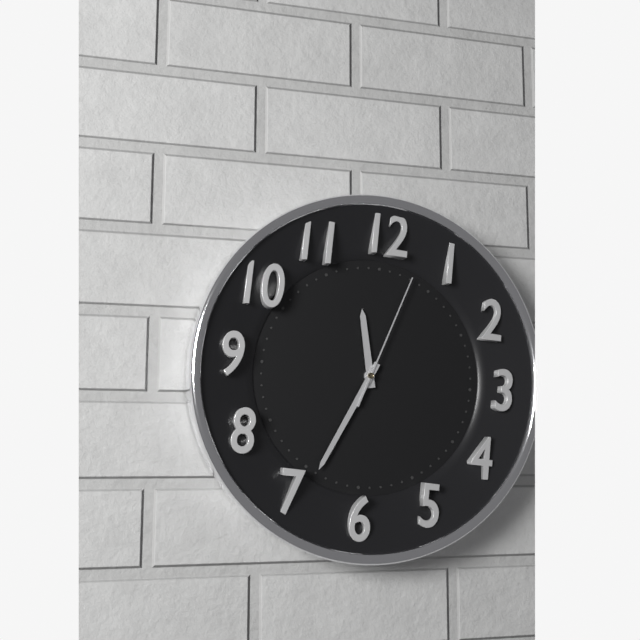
11:34:03
